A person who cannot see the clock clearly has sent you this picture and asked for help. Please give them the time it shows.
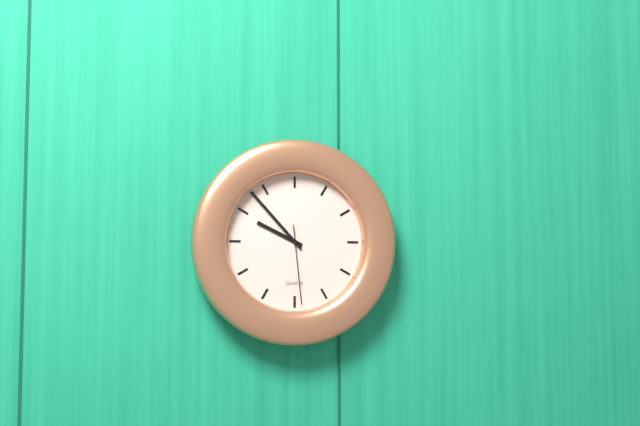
9:53:29
